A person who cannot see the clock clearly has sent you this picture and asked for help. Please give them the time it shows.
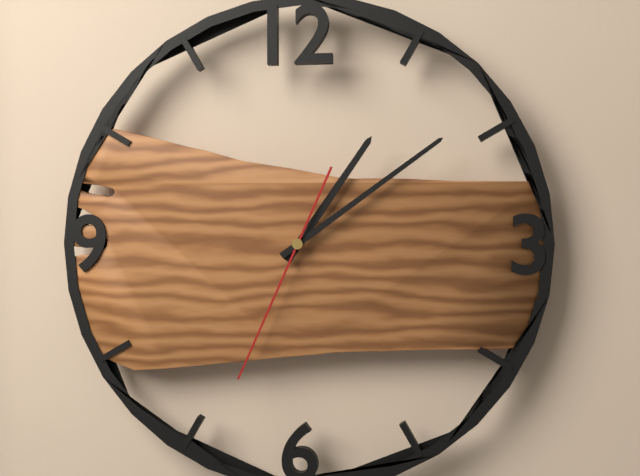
1:09:34
